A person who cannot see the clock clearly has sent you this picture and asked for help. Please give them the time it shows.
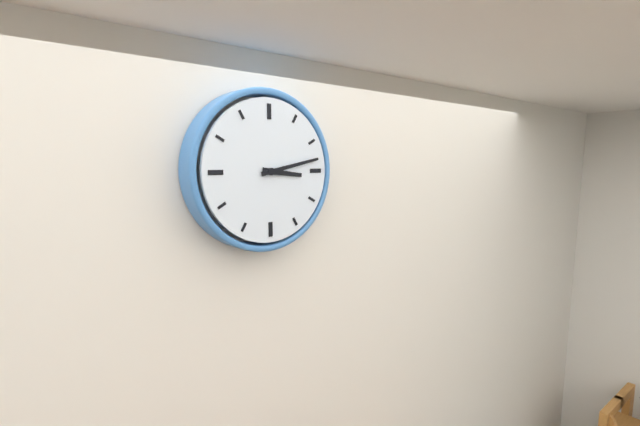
3:13
